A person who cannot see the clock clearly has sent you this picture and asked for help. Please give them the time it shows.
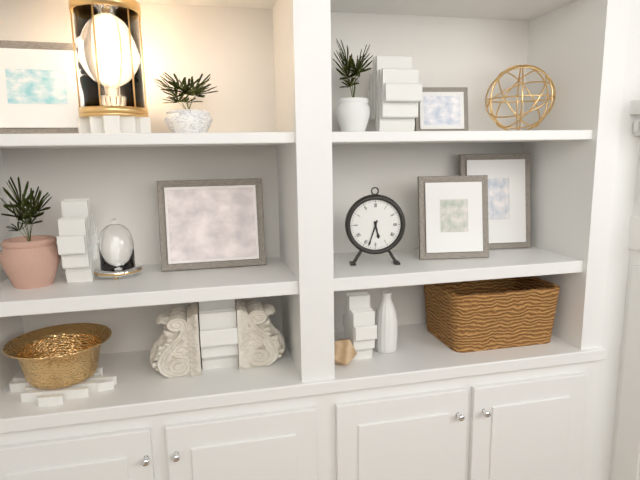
5:33
